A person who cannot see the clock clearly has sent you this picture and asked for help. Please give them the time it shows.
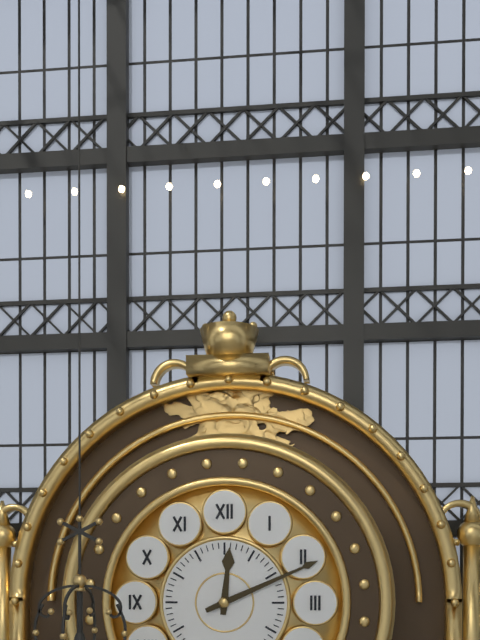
12:11
